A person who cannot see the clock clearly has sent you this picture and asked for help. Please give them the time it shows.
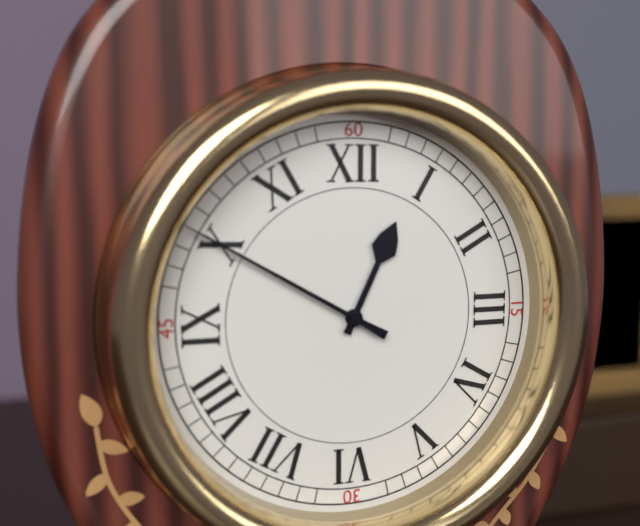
12:50
